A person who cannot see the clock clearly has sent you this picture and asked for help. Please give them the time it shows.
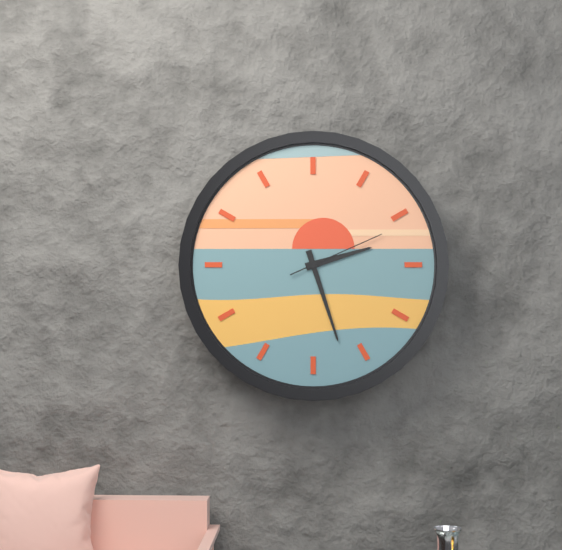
2:27:11
